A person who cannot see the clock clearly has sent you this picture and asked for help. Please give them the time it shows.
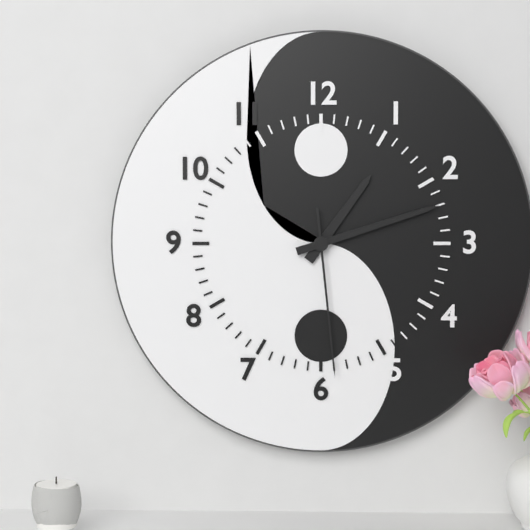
1:12:29
